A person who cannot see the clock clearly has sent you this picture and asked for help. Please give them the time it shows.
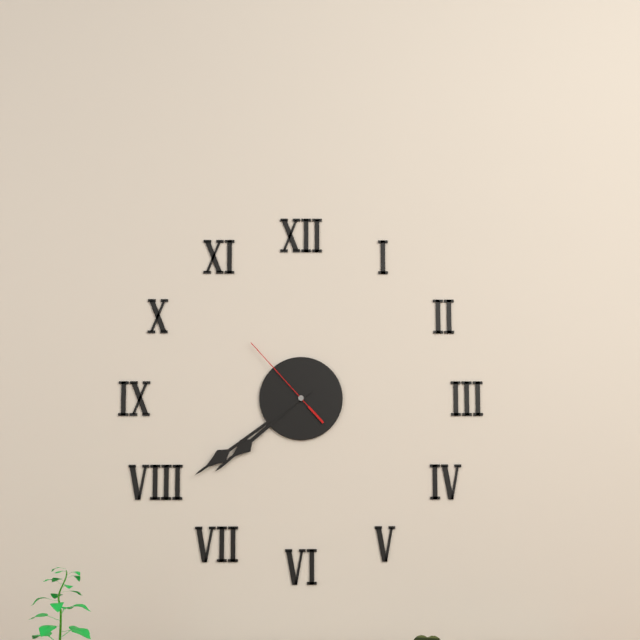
7:39:53
